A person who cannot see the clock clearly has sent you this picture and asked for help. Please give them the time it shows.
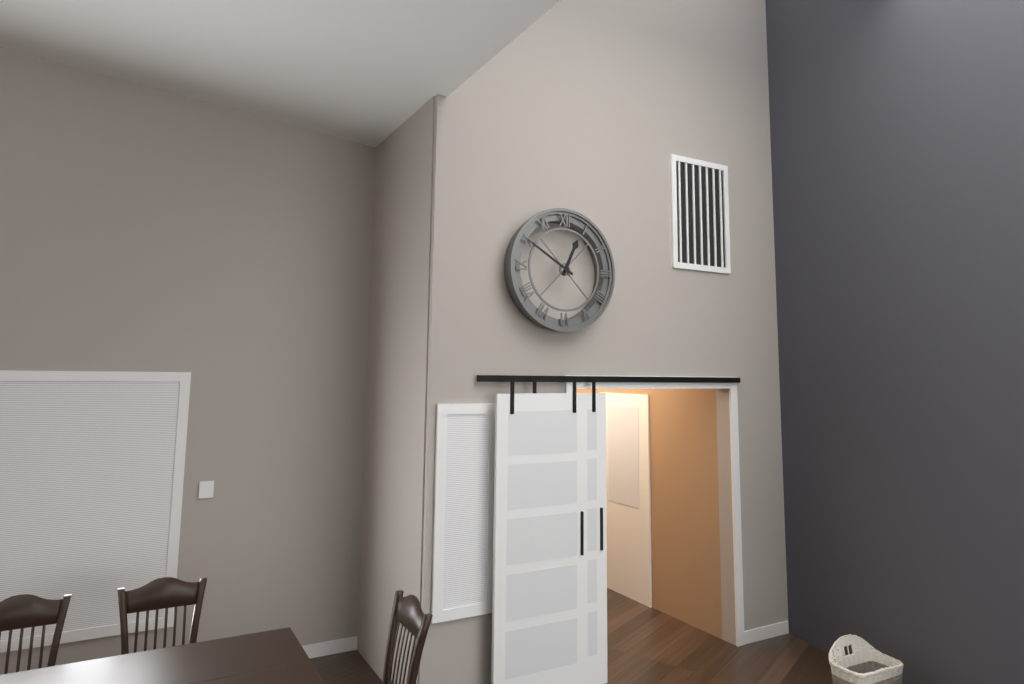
12:50
